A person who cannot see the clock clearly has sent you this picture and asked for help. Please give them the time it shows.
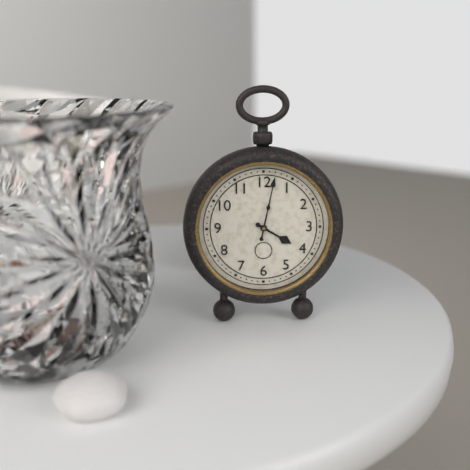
4:02
